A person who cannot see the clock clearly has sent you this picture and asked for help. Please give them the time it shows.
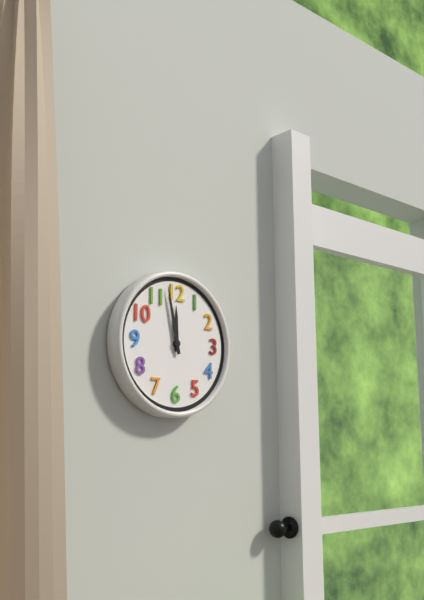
11:58
